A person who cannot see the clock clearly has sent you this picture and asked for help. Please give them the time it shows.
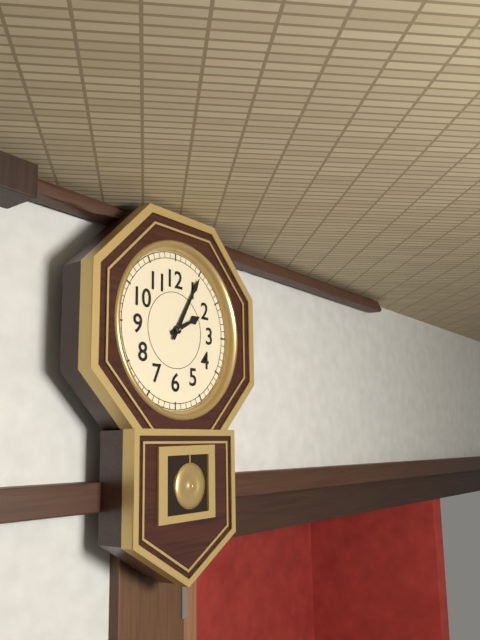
2:05
